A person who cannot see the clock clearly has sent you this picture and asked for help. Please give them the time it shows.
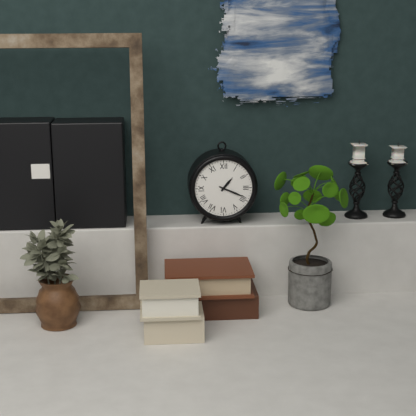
1:19
